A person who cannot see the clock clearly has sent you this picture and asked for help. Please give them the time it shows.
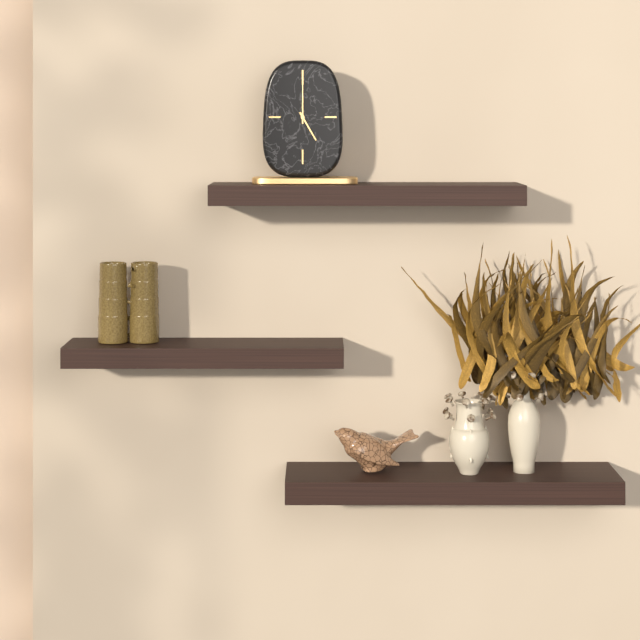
5:00
